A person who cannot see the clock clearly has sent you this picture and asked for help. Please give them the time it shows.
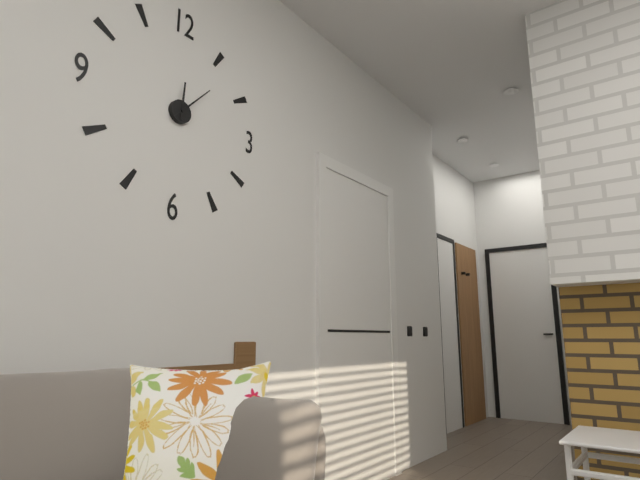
12:07
